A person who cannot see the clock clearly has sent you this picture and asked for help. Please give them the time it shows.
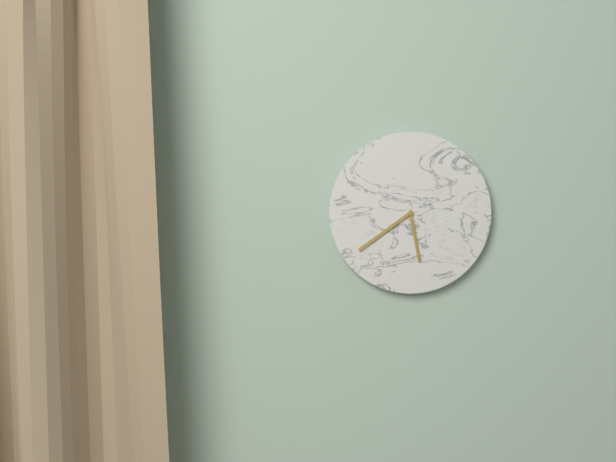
5:39
